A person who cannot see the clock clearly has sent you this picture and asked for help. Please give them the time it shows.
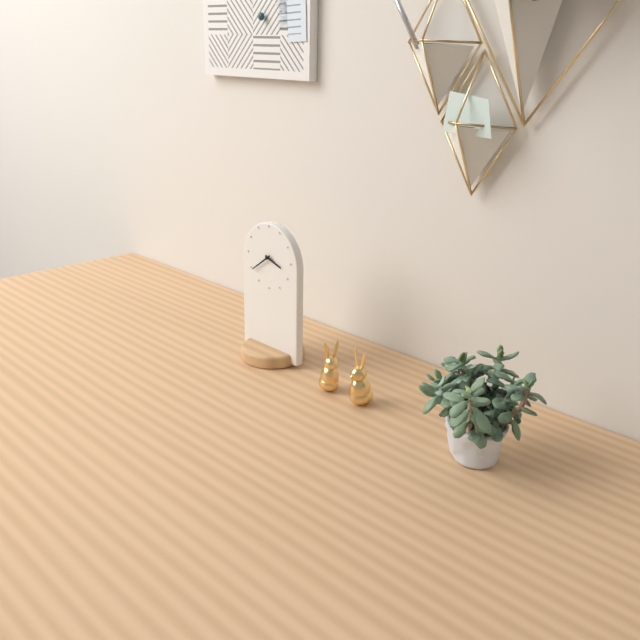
3:39
